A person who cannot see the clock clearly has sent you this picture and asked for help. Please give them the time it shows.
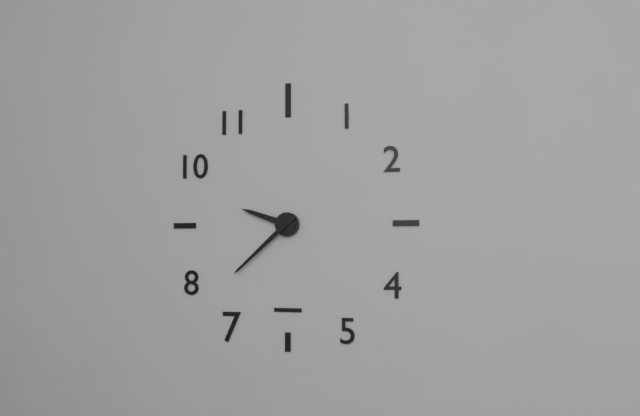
9:38
